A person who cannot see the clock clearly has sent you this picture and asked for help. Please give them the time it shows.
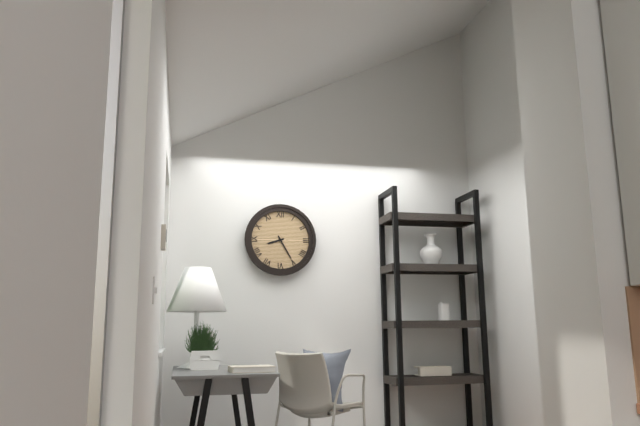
8:25
